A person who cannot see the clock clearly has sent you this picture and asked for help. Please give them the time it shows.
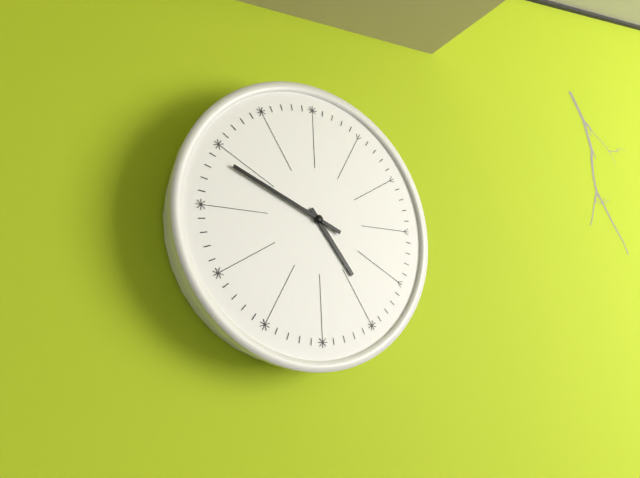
4:49
